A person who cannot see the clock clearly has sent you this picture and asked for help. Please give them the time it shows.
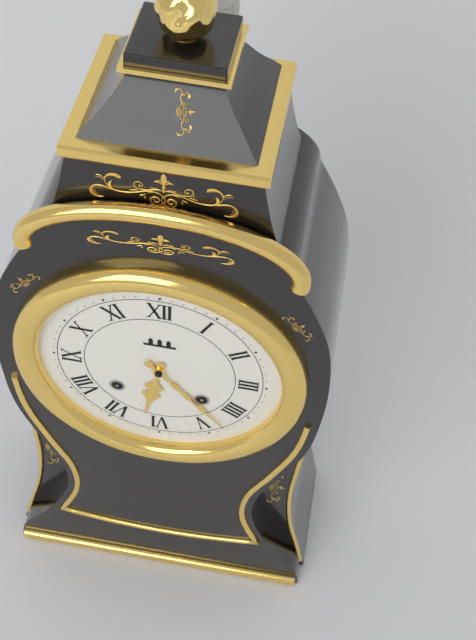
6:23
